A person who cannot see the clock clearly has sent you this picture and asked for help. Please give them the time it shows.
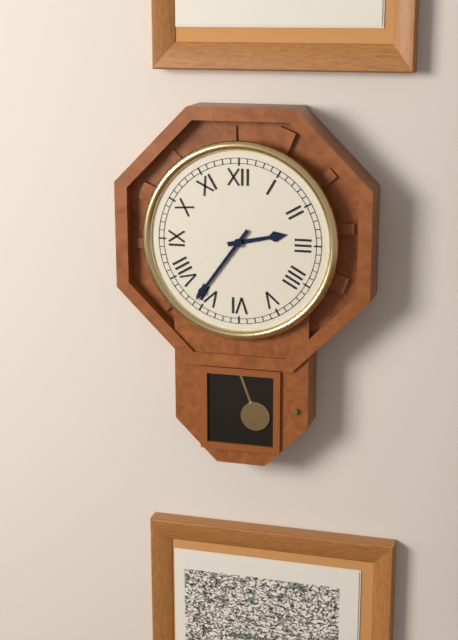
2:36
